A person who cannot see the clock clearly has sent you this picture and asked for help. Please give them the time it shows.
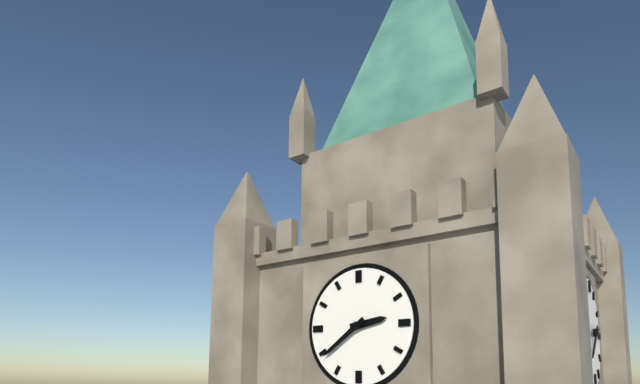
2:39
